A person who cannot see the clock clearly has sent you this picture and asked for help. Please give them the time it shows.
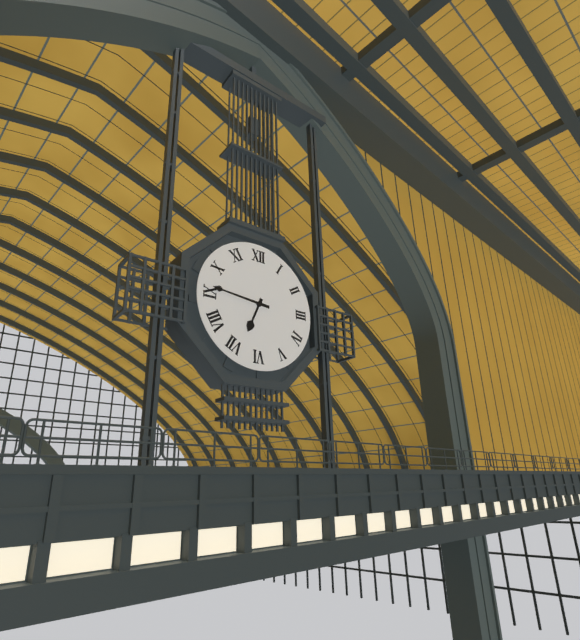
6:46
